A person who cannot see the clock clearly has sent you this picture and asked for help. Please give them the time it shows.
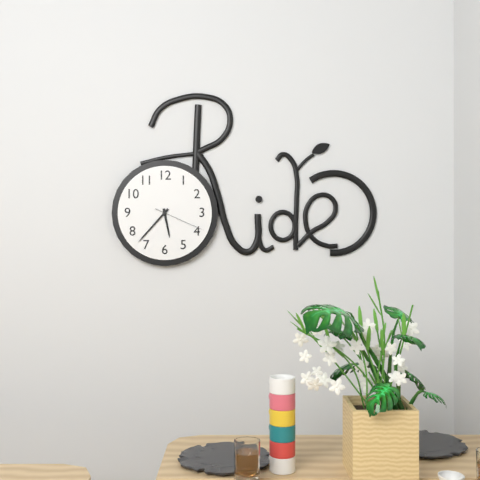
5:37:19
